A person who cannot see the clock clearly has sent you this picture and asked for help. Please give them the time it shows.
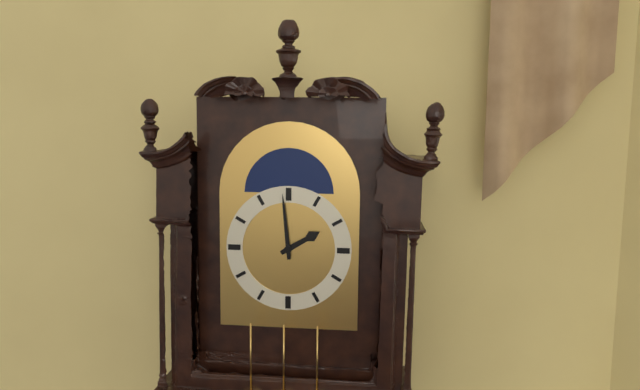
1:59
